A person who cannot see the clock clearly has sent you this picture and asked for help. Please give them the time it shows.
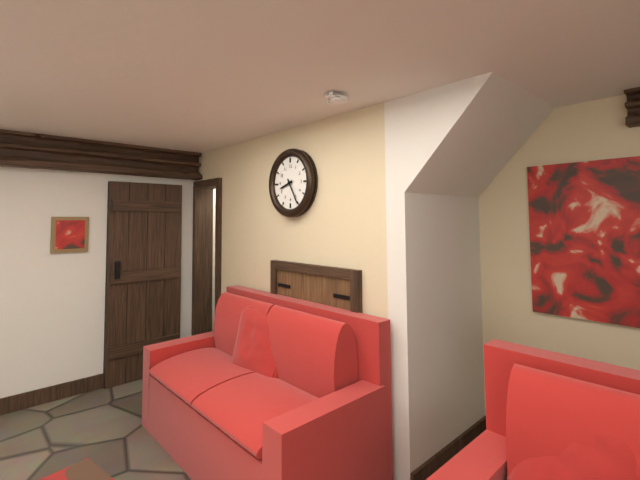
8:25
